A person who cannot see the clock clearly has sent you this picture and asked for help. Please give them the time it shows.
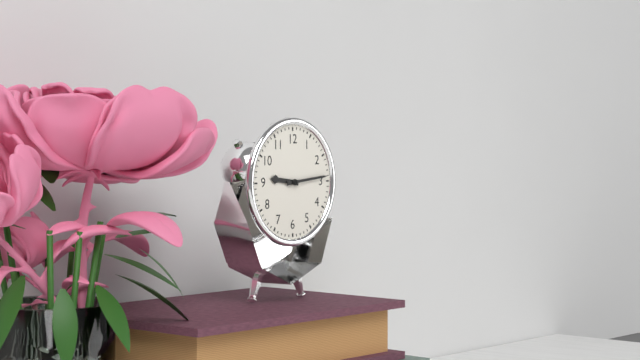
9:14
